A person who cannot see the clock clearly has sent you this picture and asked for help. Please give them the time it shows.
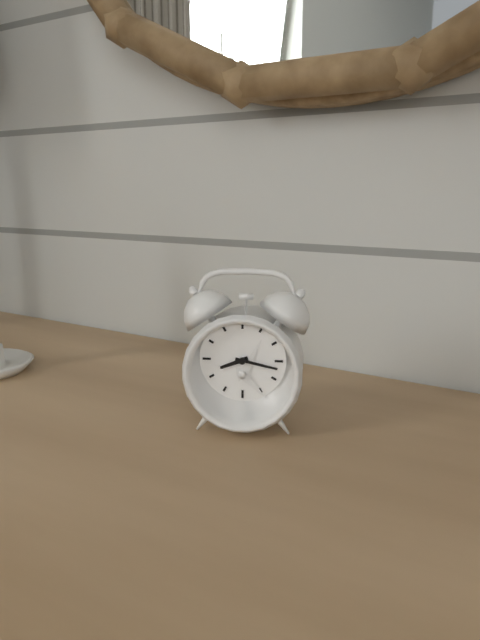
8:17
